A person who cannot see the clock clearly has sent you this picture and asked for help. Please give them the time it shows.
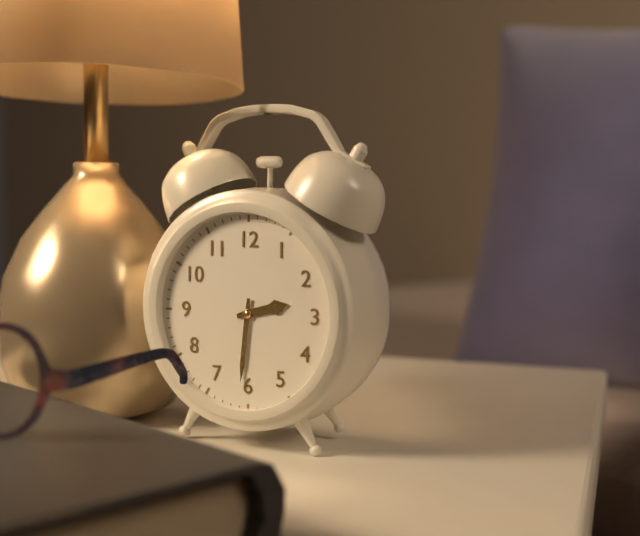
2:31
